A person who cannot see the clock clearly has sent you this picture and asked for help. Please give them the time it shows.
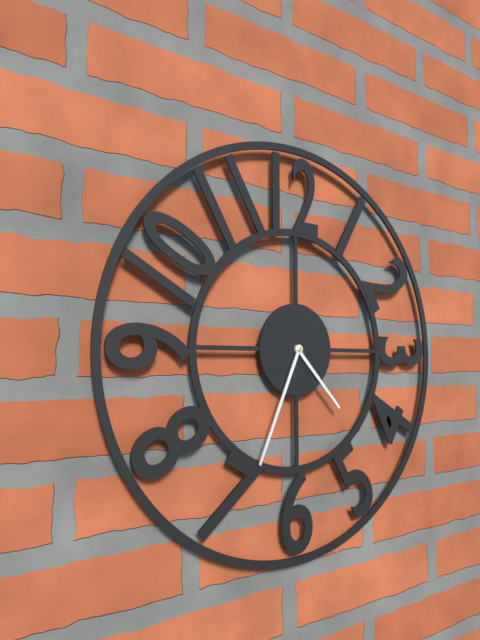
4:34
